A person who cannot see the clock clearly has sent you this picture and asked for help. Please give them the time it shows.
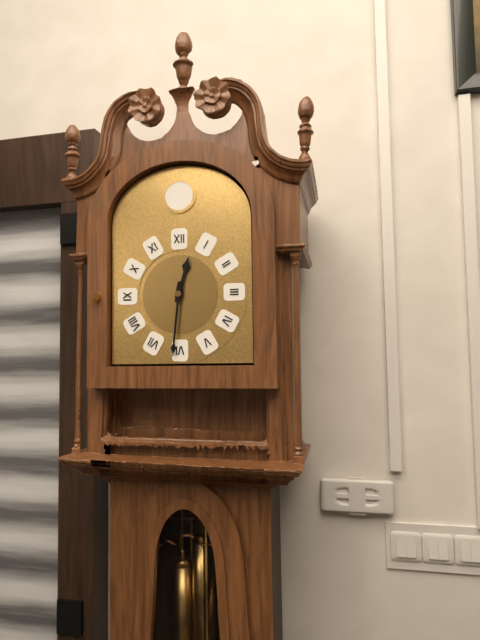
12:31
